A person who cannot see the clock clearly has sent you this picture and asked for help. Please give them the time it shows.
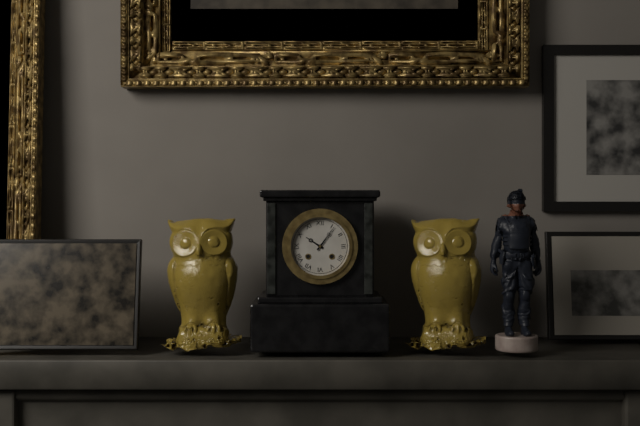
10:06
